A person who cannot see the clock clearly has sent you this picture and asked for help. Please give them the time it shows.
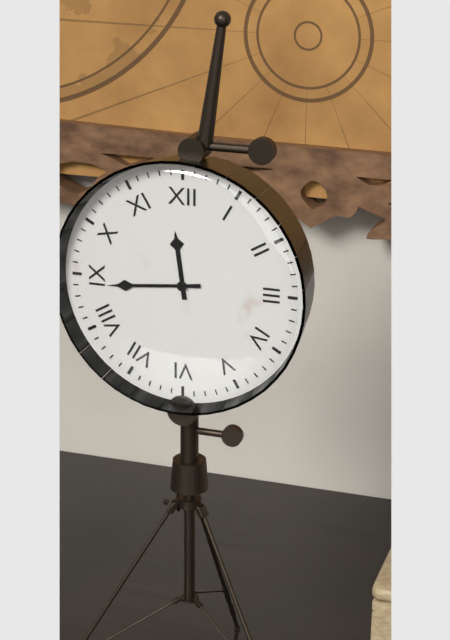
11:44
